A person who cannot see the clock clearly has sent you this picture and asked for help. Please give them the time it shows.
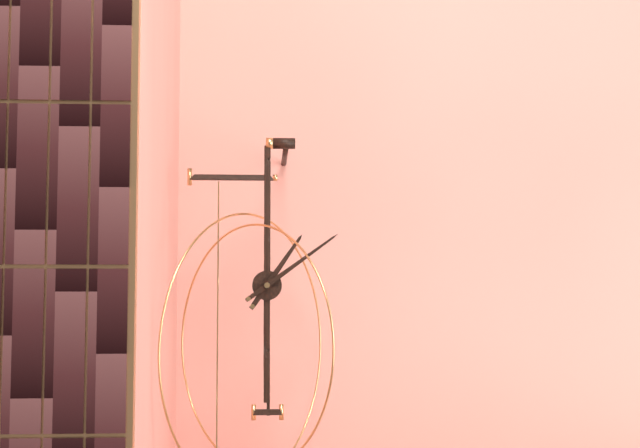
1:09
